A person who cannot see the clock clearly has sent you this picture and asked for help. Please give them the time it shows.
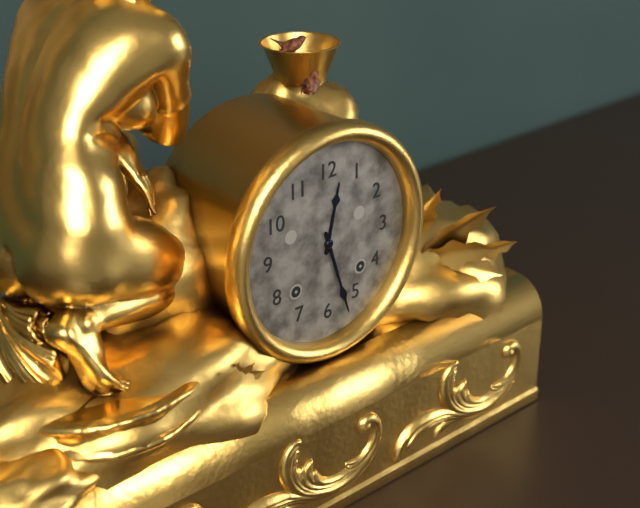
12:27
